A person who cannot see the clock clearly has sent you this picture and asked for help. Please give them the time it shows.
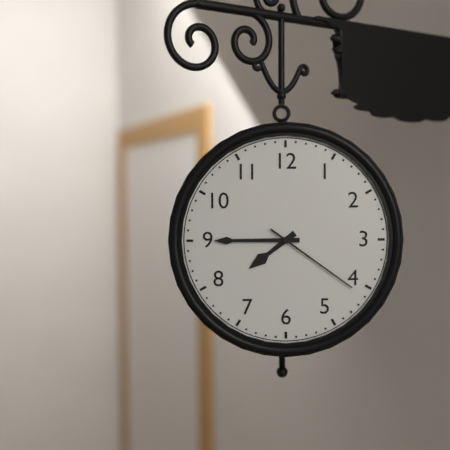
7:45:21
